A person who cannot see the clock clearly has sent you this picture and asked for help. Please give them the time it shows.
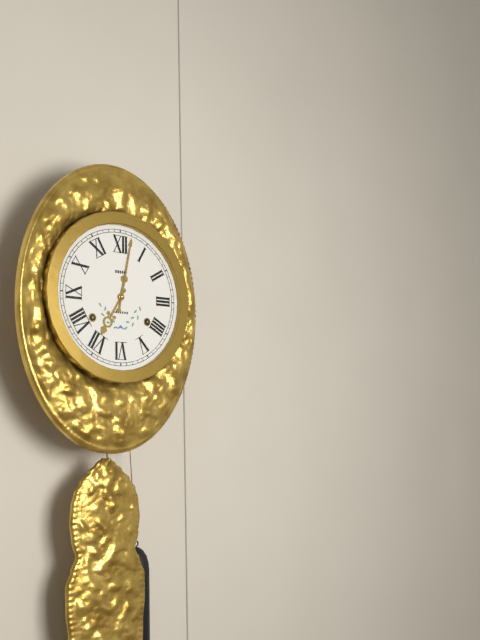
7:02
